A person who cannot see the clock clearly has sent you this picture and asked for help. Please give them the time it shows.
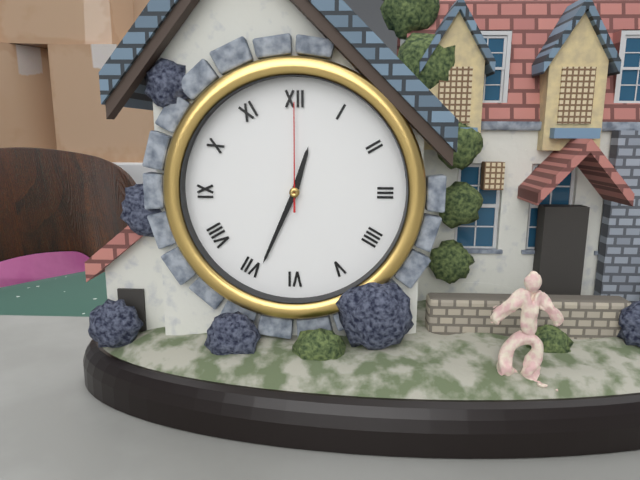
12:34:00
